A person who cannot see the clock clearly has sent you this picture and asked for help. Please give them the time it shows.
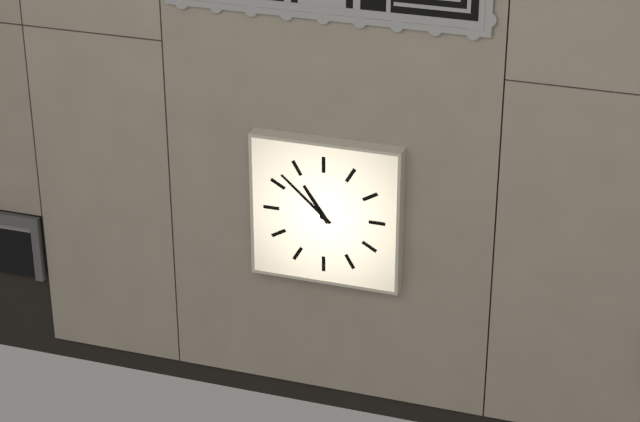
10:52
